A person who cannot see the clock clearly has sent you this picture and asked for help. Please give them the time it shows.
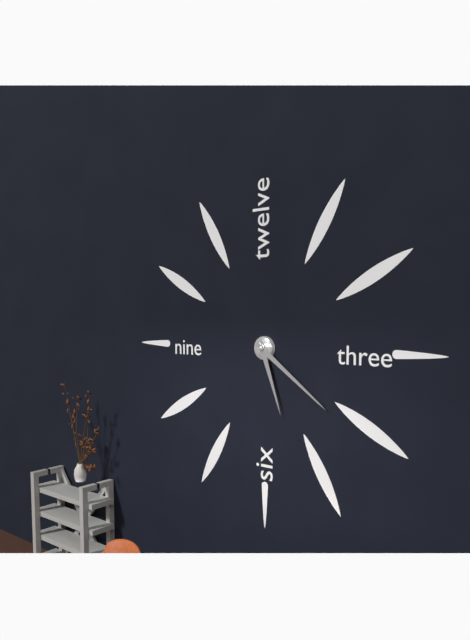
5:21
